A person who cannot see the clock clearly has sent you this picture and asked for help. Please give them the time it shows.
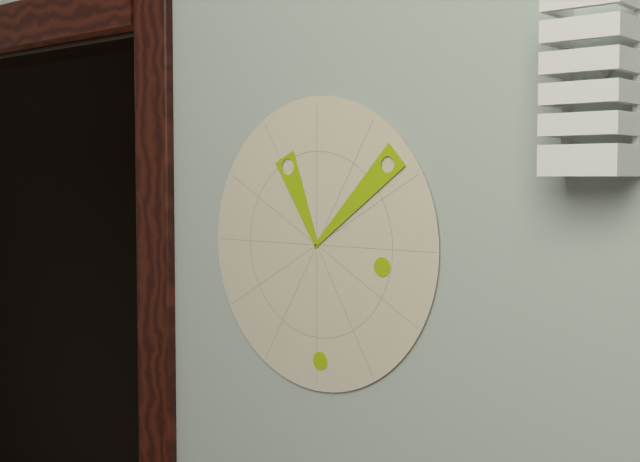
11:08
